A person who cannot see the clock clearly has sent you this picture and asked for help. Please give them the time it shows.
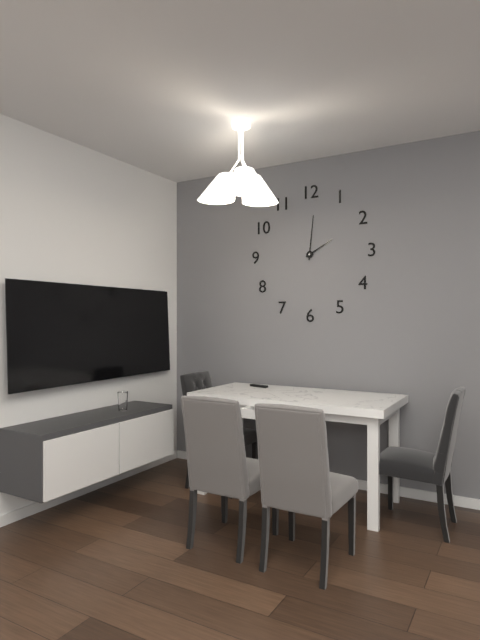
2:01
